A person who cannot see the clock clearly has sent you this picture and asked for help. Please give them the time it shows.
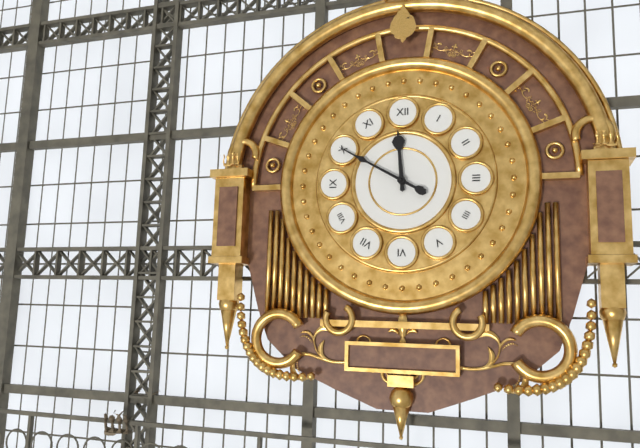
11:50
